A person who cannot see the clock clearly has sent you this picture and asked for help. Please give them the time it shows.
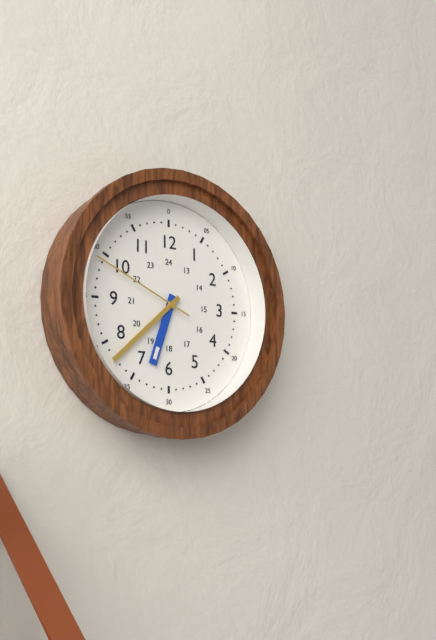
6:38:49
